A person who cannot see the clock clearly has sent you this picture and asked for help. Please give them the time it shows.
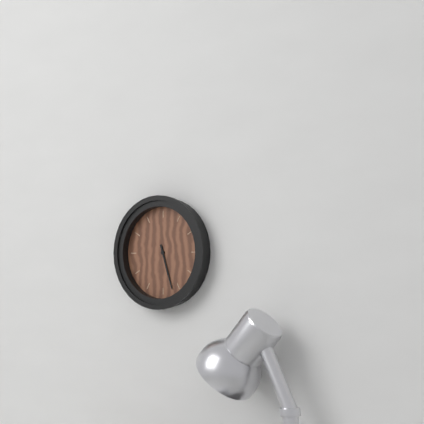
5:27
